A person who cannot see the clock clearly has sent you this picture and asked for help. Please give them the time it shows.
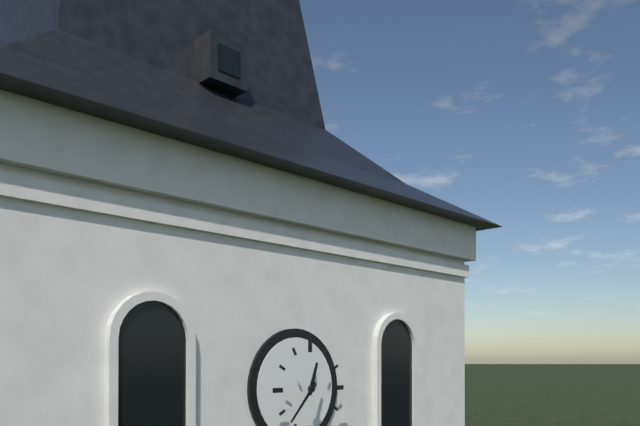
12:37
